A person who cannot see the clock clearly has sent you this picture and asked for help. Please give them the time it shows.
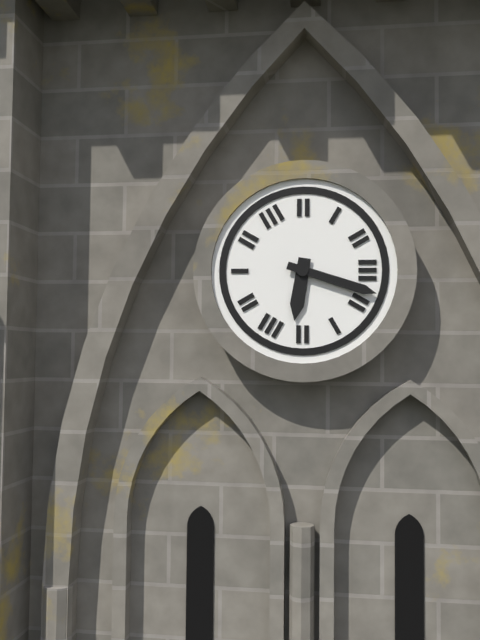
6:18
